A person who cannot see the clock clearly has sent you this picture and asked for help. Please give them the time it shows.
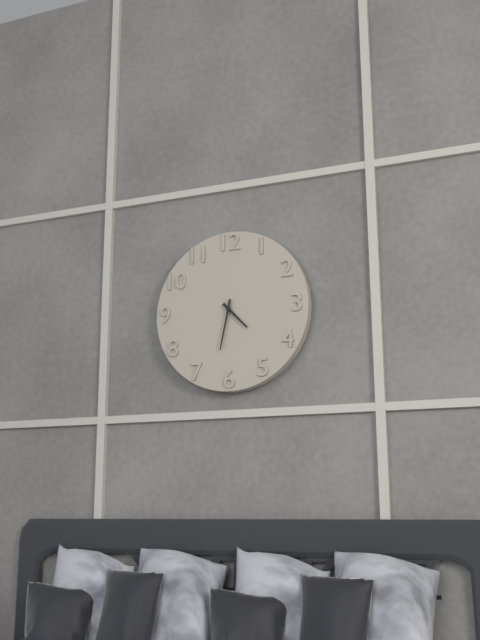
4:32
